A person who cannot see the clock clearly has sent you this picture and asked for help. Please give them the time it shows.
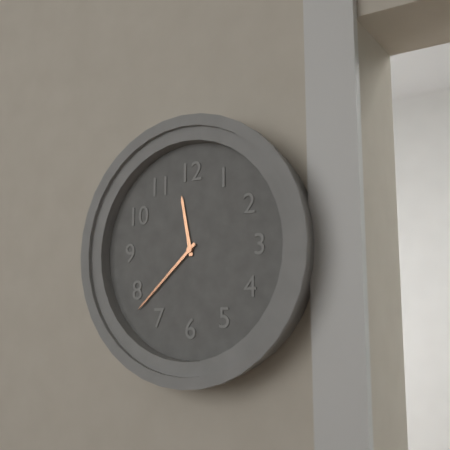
11:38
